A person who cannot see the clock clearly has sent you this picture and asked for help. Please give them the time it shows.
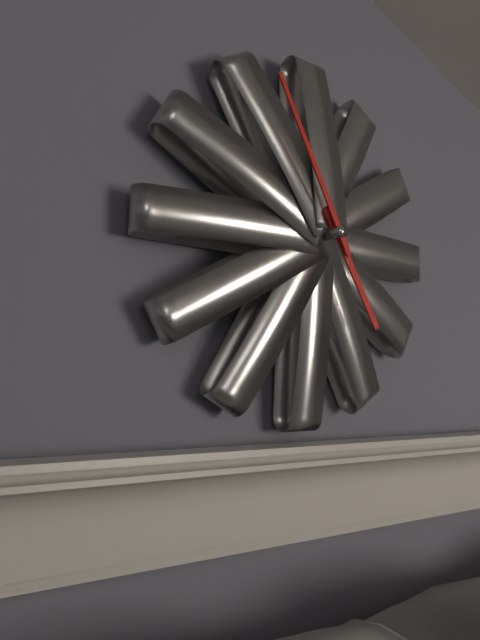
4:55
